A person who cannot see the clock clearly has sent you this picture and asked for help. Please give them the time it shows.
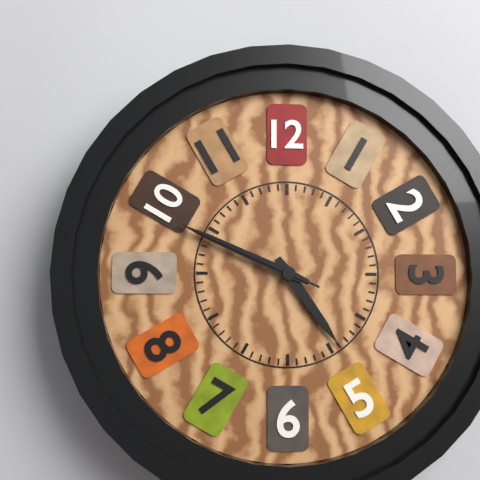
4:49:49
